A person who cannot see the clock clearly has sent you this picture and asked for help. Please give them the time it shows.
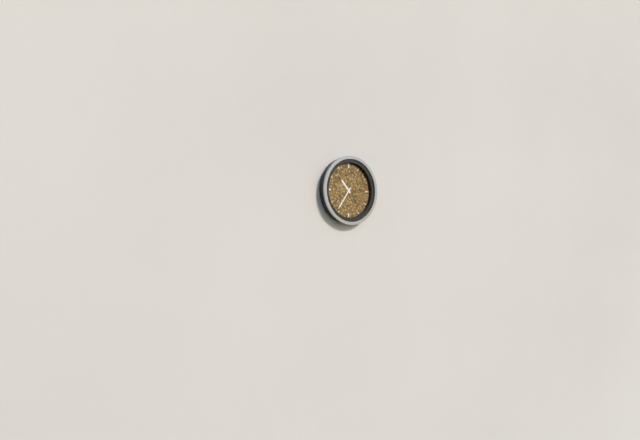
10:36
